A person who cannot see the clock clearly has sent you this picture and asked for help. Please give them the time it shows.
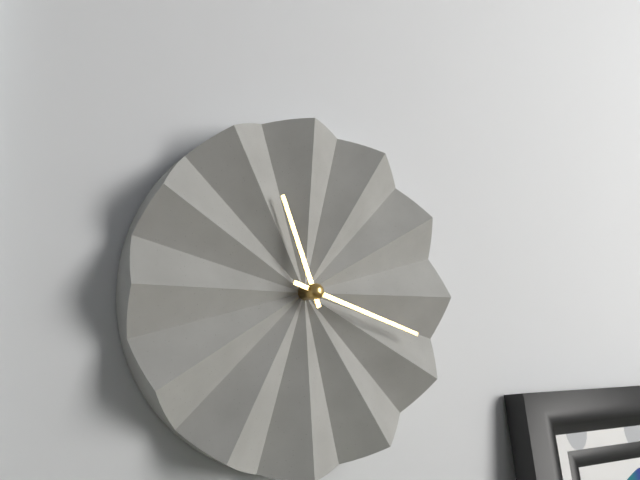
11:18
